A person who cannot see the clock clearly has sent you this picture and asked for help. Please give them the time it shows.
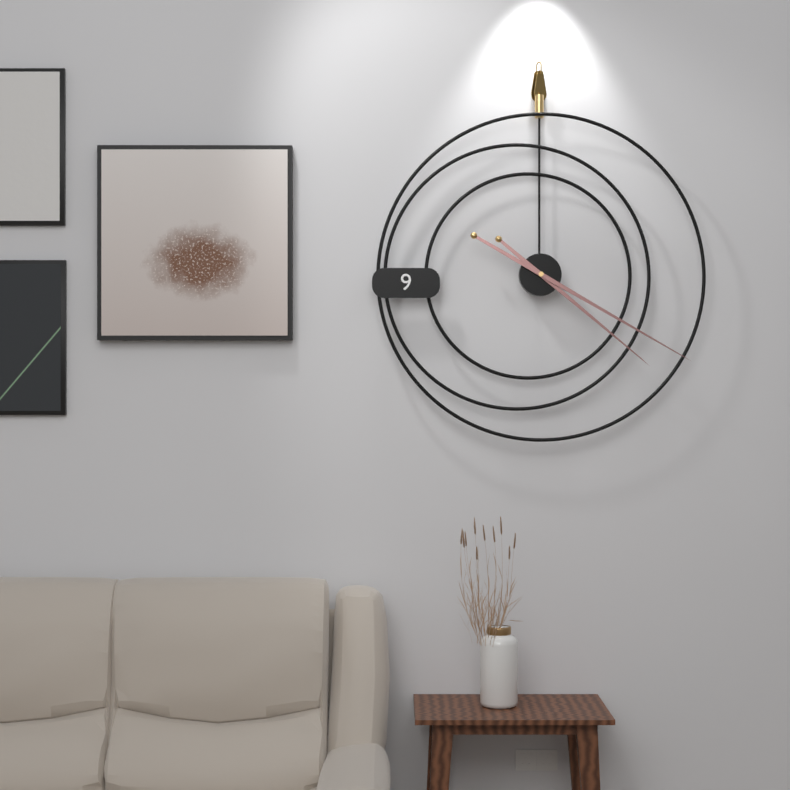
4:20
